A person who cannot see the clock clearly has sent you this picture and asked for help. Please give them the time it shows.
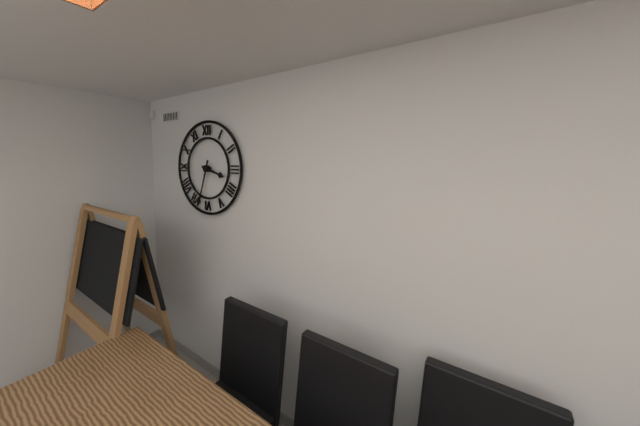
3:33
